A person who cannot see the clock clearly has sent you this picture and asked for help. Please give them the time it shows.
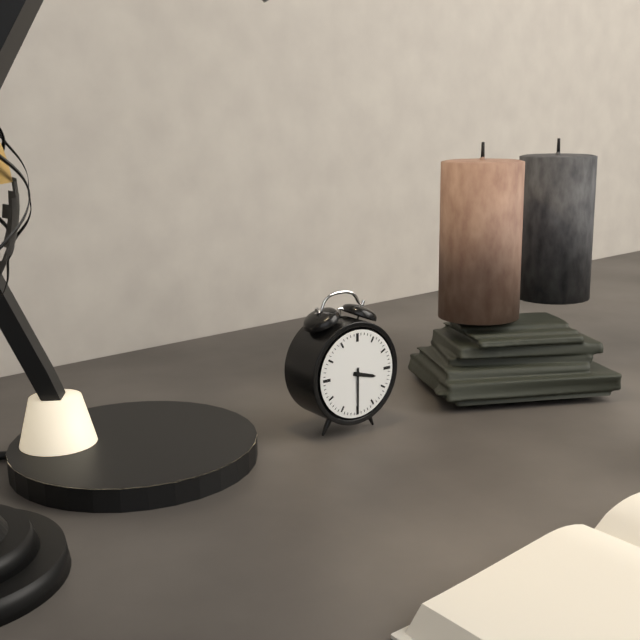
3:30
